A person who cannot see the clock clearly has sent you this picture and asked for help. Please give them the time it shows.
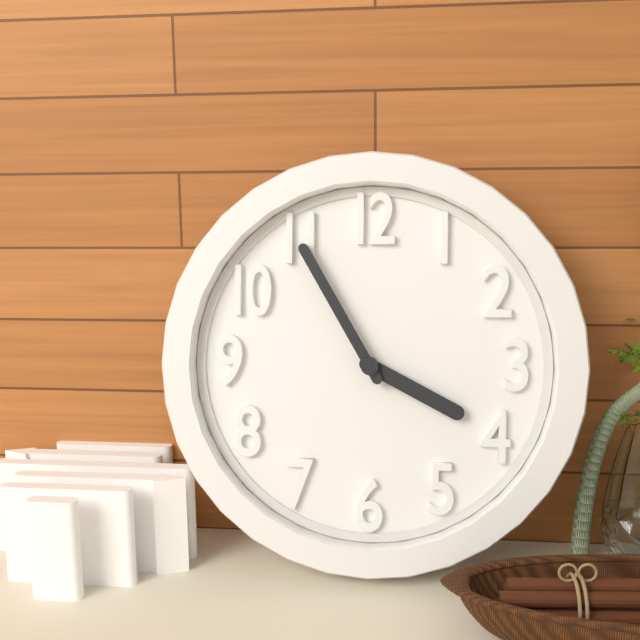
3:55
